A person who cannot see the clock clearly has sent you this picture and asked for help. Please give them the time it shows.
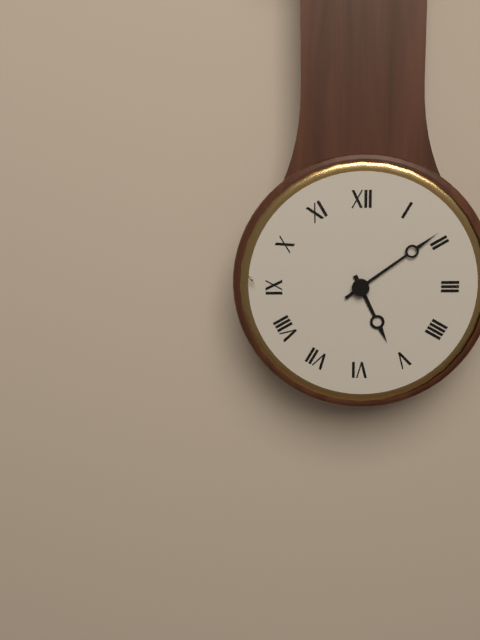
5:09
